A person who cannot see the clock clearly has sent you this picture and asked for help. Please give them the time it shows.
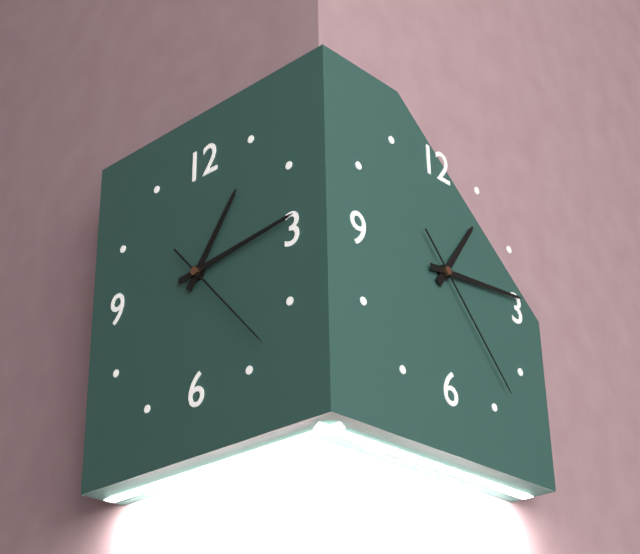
1:14:23
